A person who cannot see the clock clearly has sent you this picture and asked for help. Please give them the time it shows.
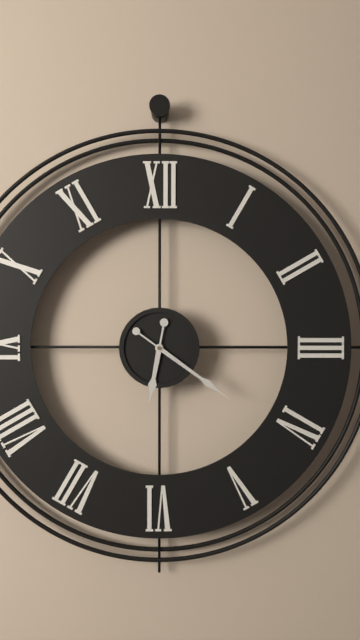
6:21
